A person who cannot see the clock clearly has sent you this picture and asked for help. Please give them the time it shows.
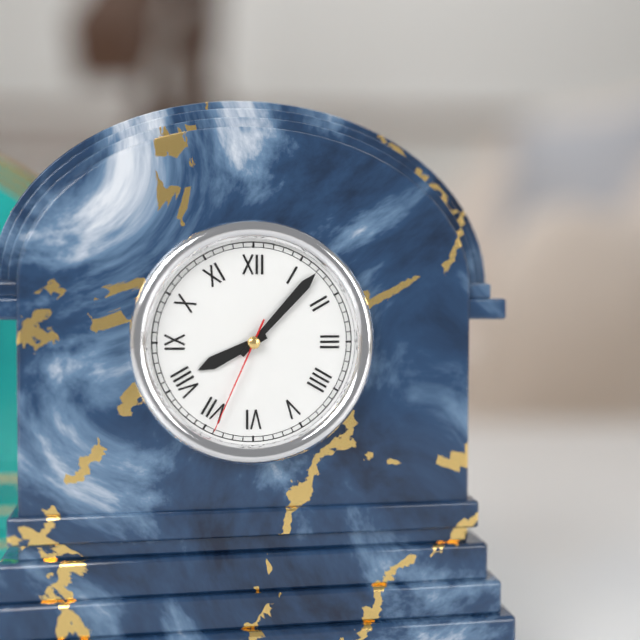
8:07:34
